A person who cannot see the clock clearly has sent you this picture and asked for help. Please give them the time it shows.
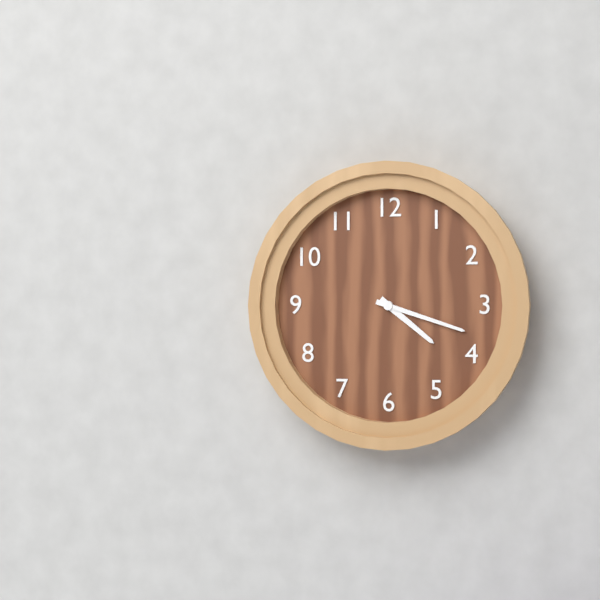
4:18
